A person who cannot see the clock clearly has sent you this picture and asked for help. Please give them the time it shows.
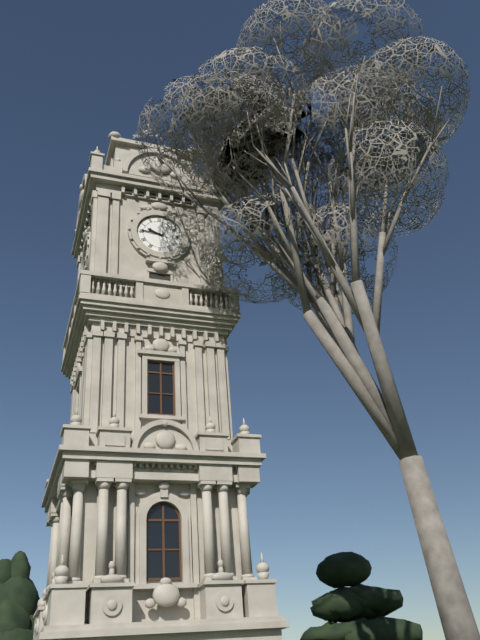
9:46
